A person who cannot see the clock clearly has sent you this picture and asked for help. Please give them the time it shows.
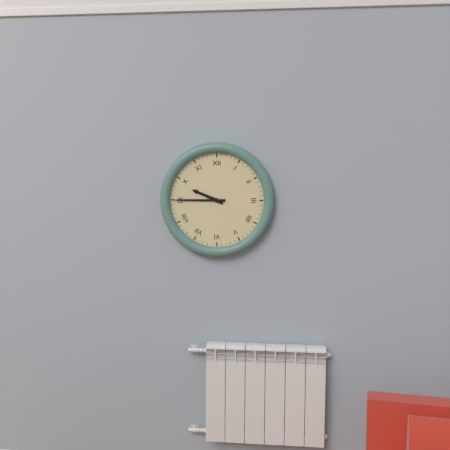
9:45
